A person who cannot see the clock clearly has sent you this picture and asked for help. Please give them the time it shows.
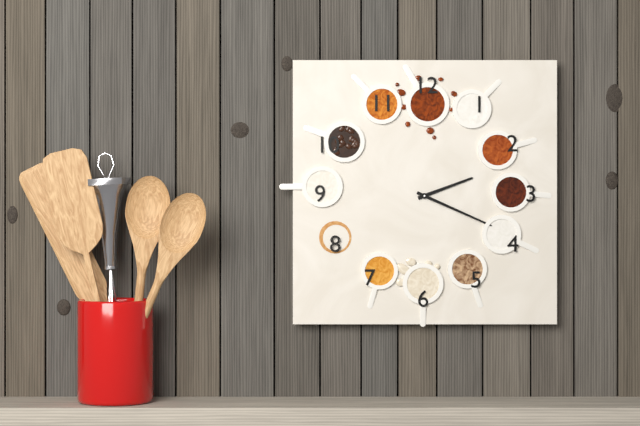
2:19
